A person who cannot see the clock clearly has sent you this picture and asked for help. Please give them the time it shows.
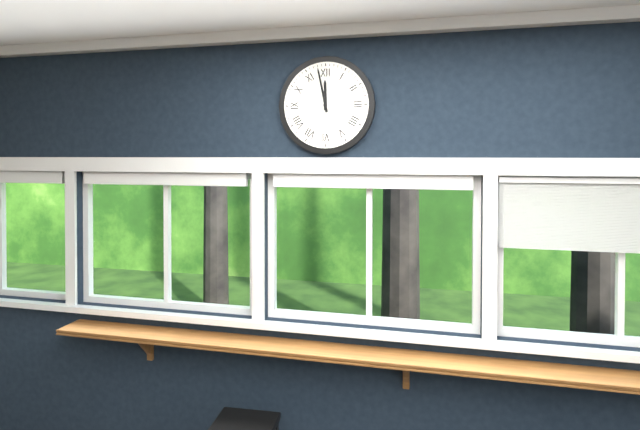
11:58
